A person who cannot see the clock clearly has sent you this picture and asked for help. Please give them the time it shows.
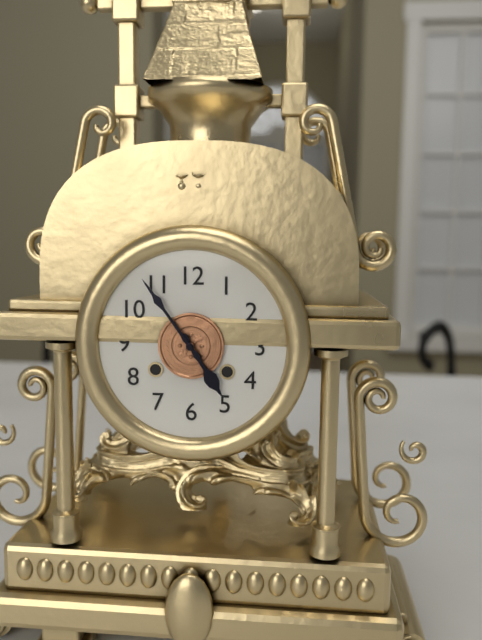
4:54
